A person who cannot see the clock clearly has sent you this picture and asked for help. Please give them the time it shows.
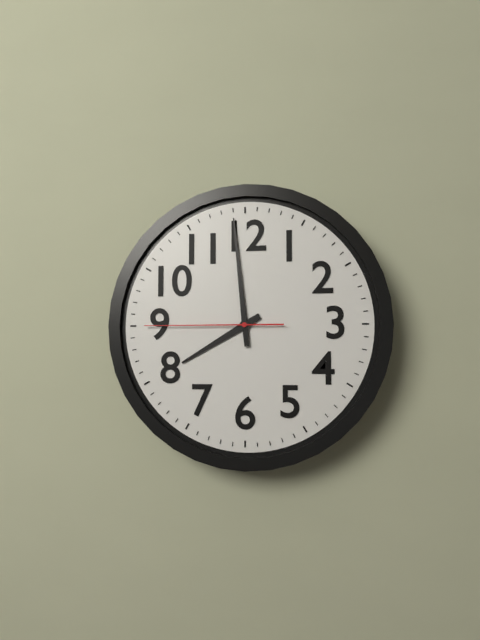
7:59:45
